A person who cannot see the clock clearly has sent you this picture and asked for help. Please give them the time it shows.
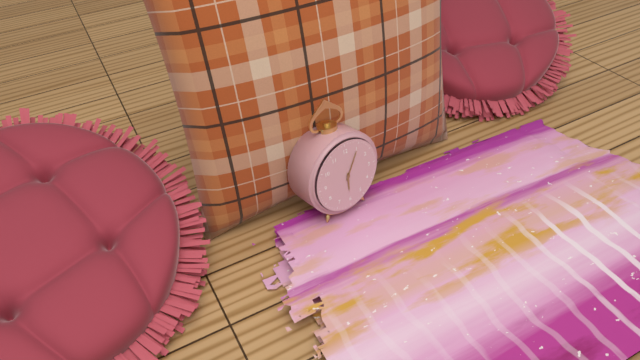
6:05
